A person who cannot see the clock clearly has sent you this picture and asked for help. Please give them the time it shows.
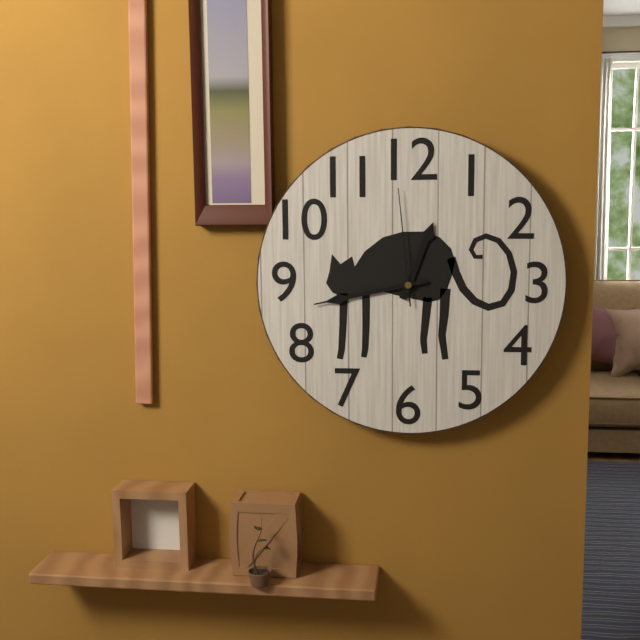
12:43:59
